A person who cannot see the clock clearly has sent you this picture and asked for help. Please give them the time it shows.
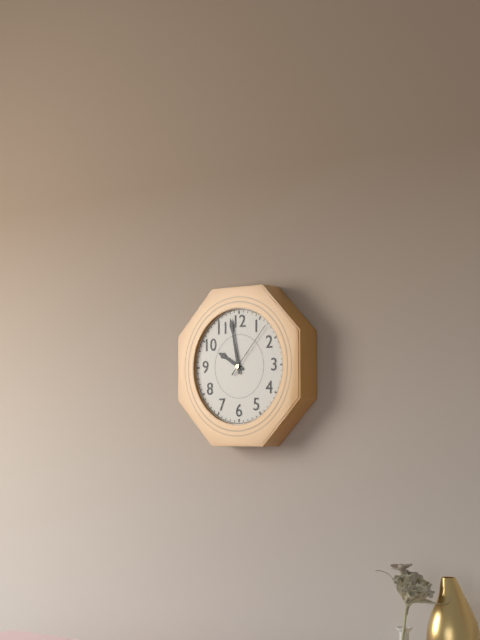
9:58:07
